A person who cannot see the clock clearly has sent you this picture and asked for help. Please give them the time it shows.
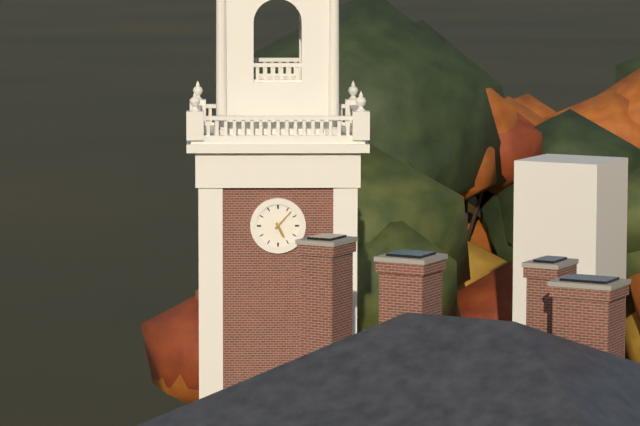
5:07
